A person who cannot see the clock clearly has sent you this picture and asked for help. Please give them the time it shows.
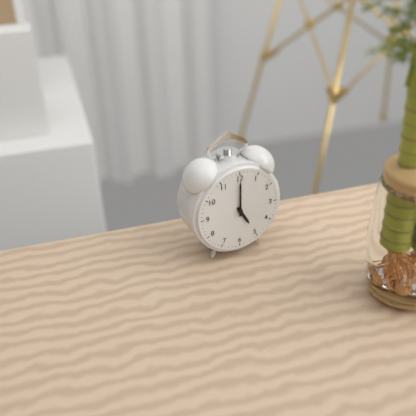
5:00
